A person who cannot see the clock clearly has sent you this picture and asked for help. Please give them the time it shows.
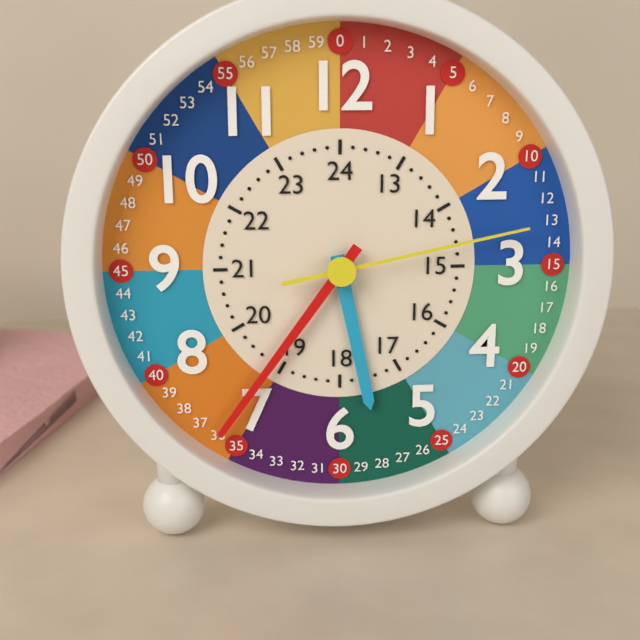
5:36:13
